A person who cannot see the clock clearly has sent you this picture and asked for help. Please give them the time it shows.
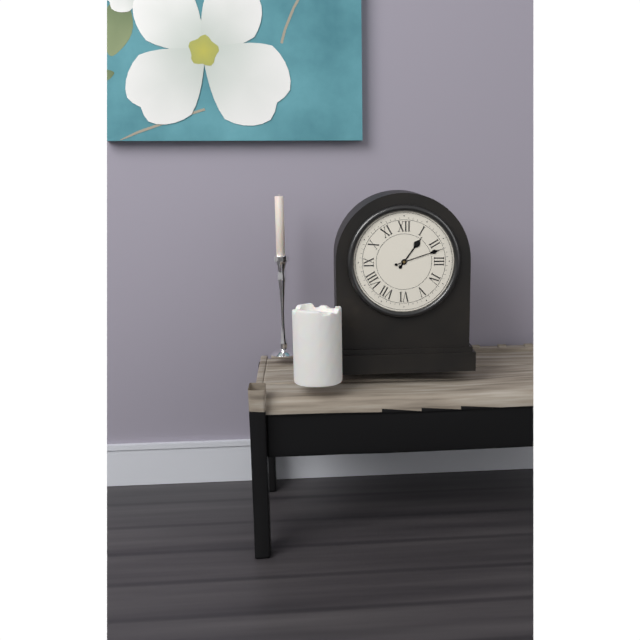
1:12
